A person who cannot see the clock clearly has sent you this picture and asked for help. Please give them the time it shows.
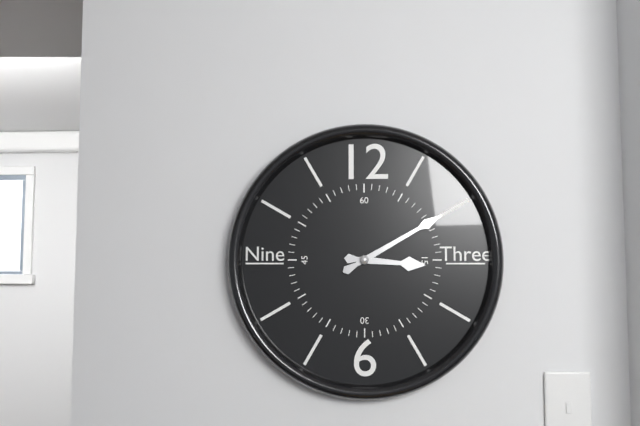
3:10
